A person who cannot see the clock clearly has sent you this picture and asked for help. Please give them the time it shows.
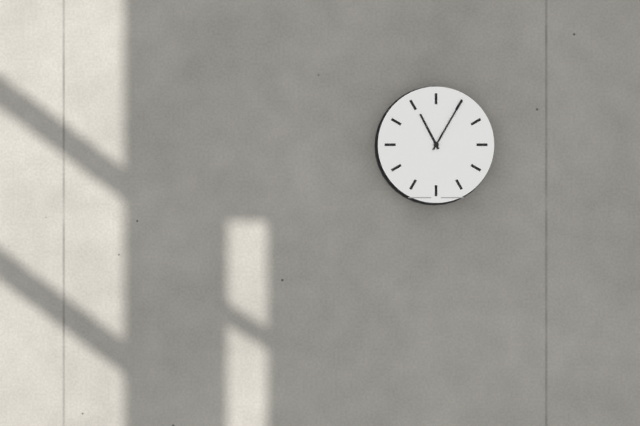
11:05
